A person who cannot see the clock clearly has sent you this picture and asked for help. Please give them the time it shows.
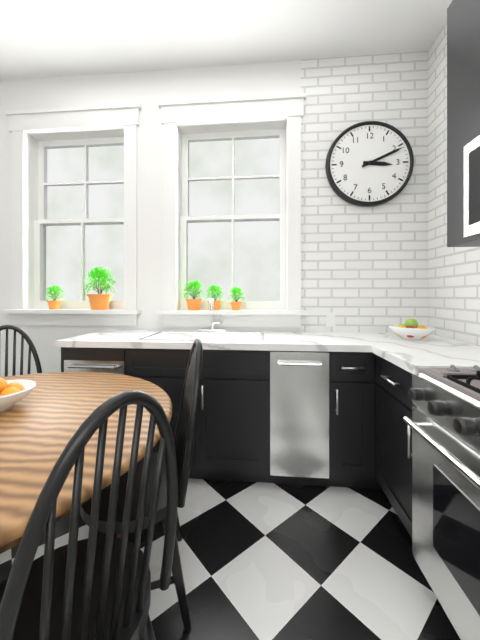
3:11
